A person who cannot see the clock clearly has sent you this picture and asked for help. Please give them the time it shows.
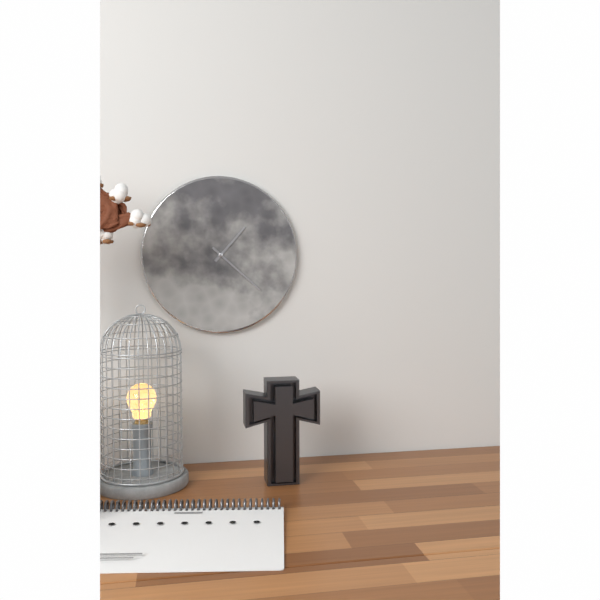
1:22
